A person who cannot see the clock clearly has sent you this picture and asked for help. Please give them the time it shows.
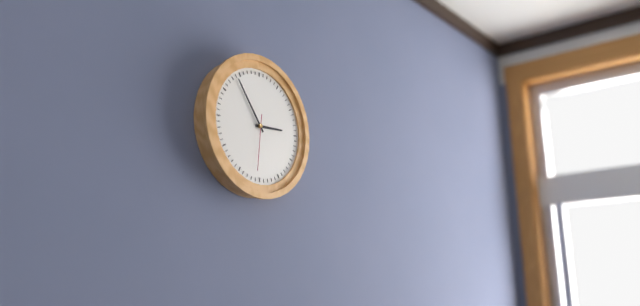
2:54:31
